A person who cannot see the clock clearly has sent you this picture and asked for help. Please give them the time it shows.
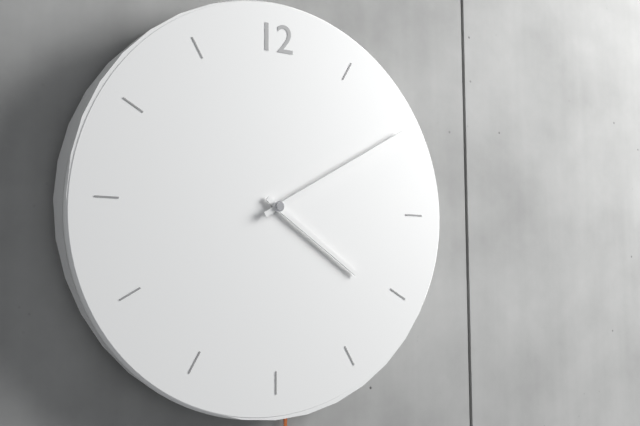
4:10
